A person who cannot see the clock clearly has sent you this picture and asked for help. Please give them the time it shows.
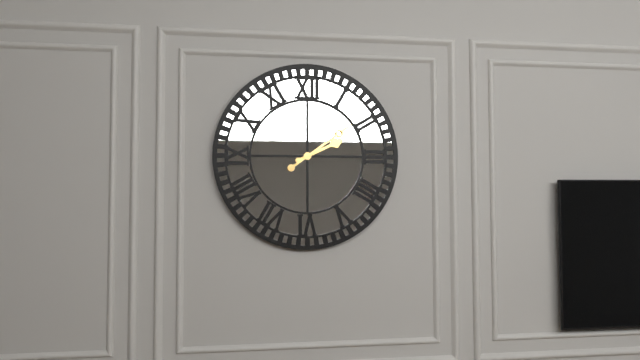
2:09
